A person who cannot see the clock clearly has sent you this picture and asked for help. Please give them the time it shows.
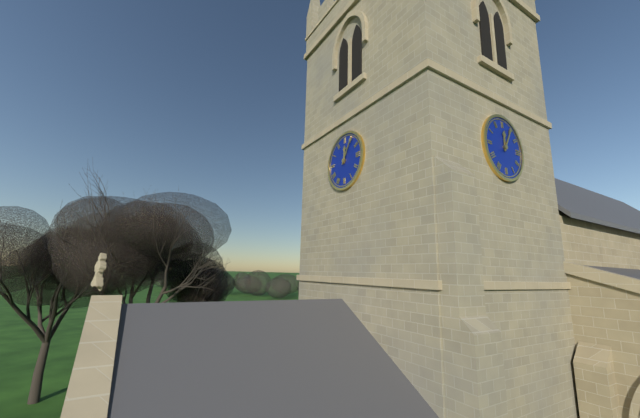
12:05
